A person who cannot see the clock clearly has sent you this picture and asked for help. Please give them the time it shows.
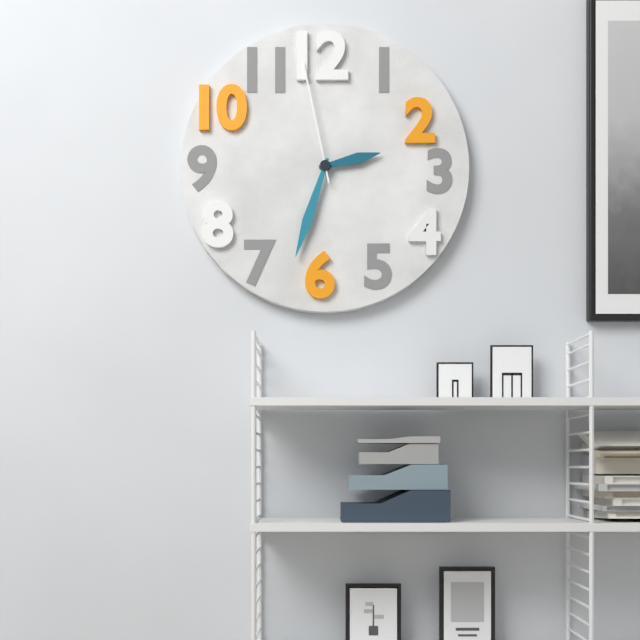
2:33:58
